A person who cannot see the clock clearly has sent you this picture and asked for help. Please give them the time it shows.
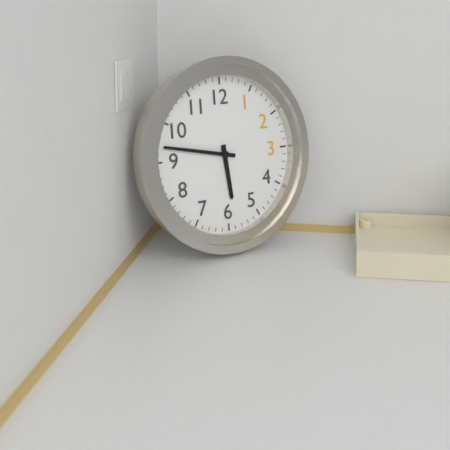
5:47
